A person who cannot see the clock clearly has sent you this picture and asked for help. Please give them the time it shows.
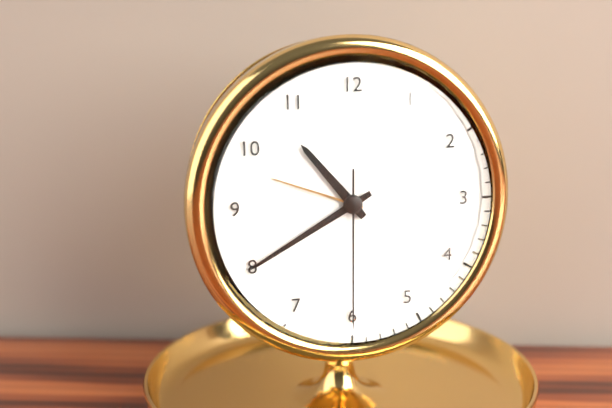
10:40:30
